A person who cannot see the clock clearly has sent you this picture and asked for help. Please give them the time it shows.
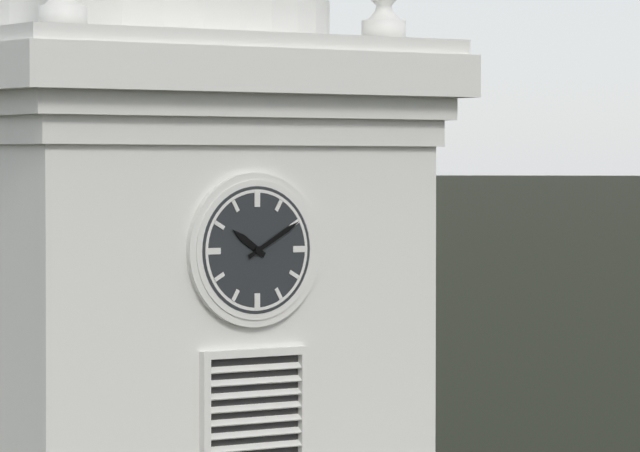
10:10
